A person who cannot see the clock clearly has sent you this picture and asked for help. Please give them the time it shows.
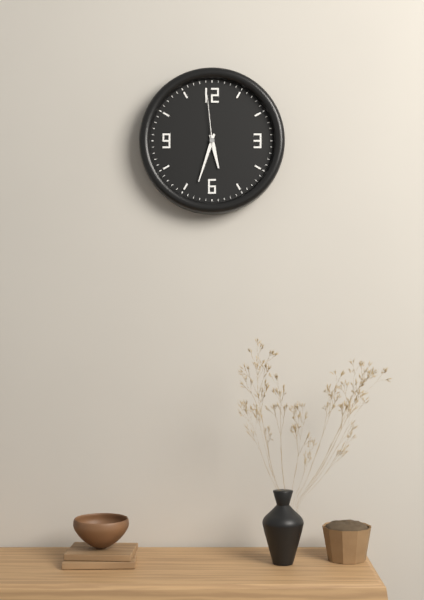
5:33:59
